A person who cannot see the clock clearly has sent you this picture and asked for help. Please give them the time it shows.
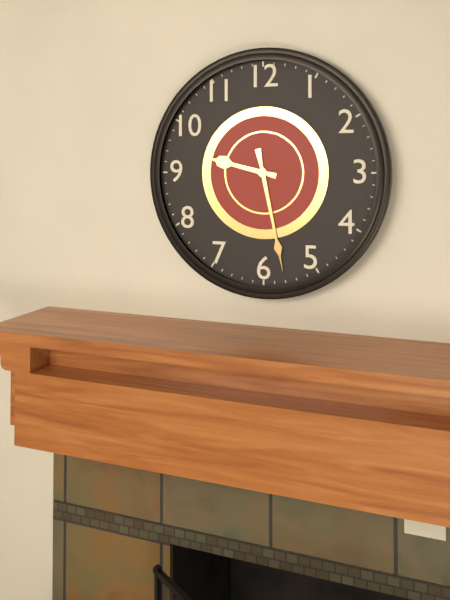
9:28
